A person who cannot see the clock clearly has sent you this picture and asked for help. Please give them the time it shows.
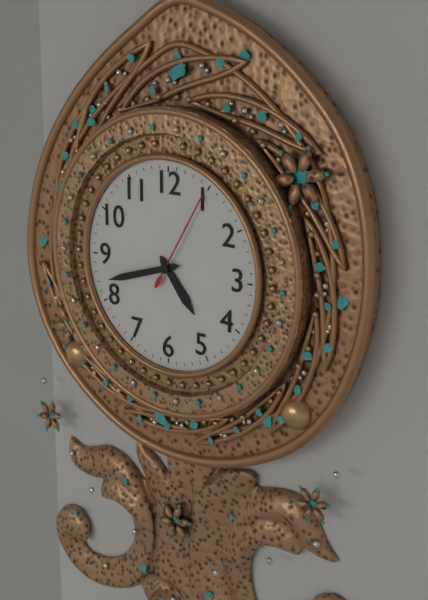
4:42:05
